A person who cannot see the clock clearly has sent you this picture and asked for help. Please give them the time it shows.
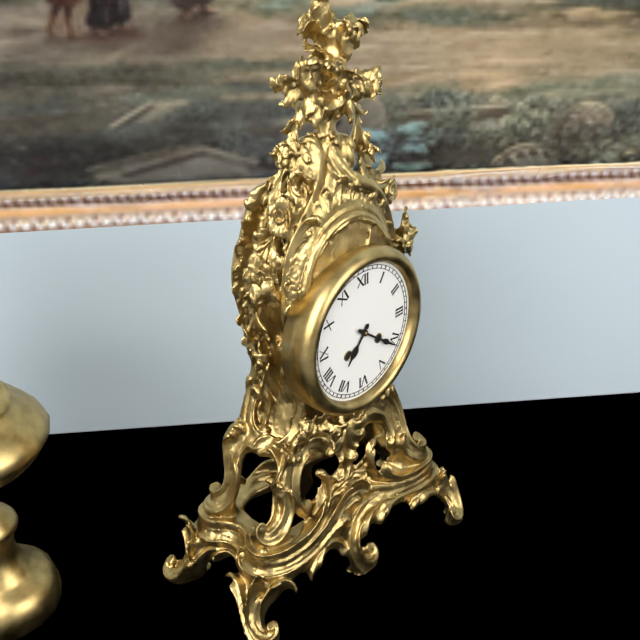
7:21
